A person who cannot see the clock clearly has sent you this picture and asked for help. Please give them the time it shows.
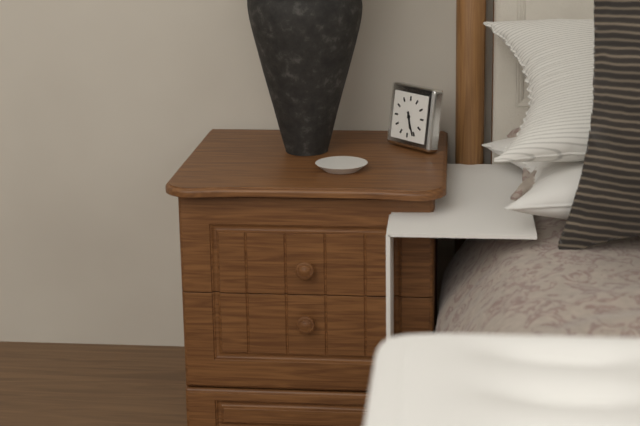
5:26
